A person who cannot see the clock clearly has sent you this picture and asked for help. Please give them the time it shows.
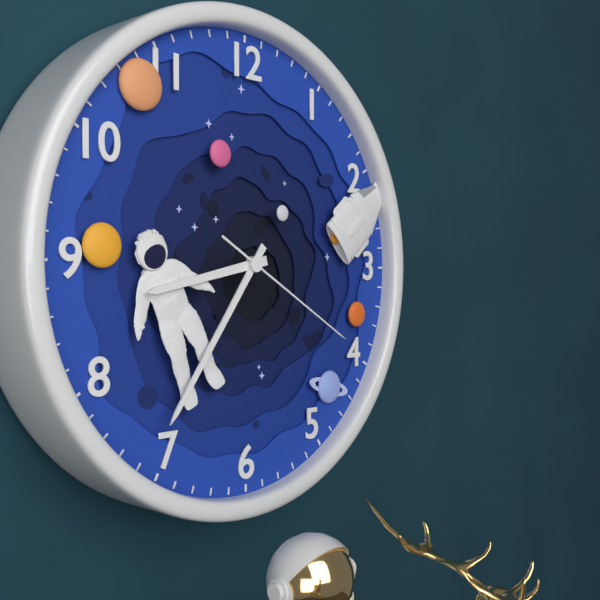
8:36:20
